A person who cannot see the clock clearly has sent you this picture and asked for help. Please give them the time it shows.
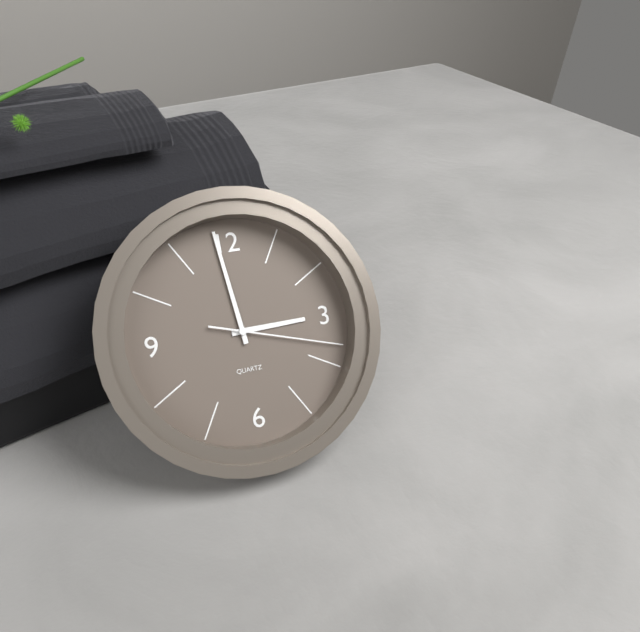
2:59:18
